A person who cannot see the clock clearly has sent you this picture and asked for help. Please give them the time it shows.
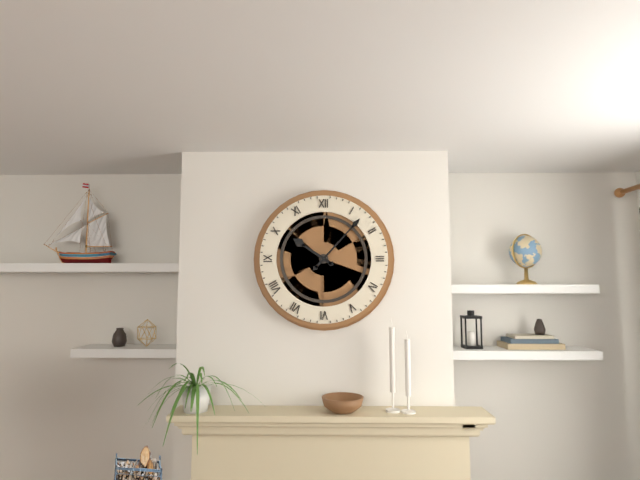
10:07
